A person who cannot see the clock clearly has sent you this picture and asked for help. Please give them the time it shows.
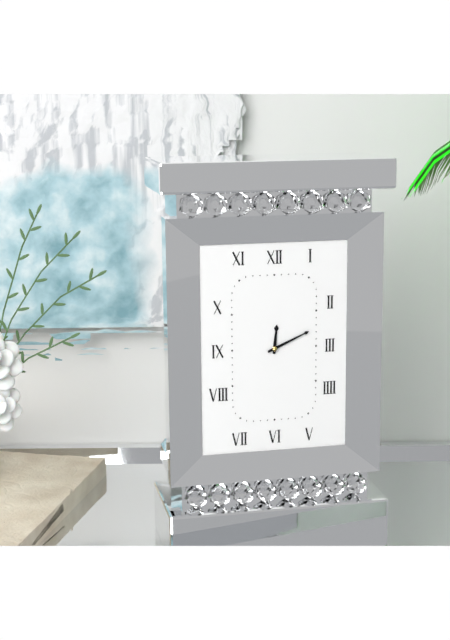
12:11
